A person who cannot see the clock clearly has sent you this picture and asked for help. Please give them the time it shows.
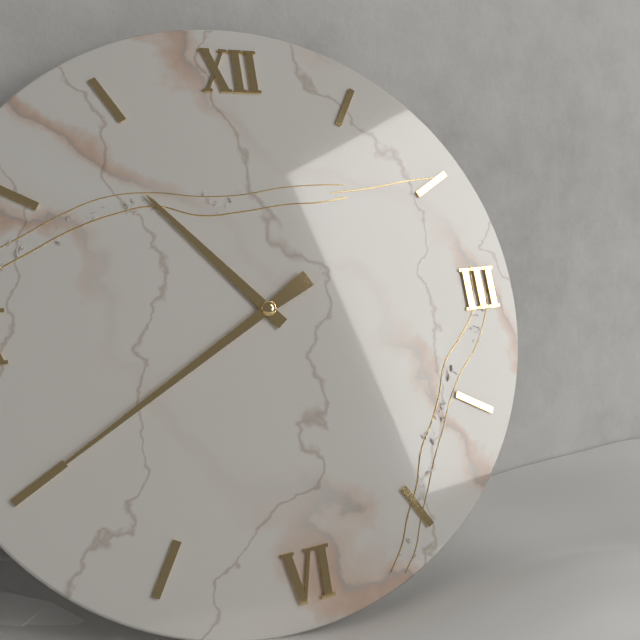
10:40
